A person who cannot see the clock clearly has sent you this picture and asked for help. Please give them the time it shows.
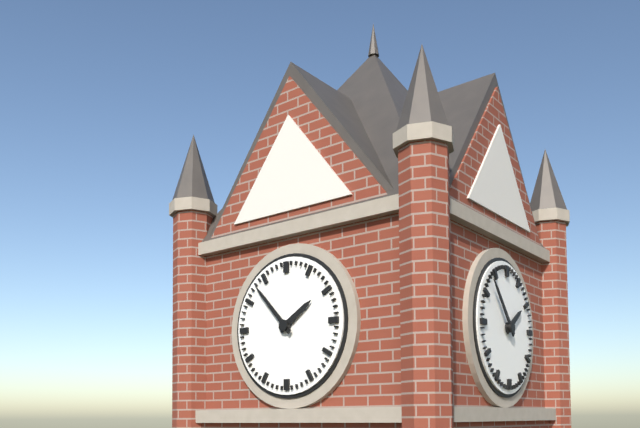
1:53
